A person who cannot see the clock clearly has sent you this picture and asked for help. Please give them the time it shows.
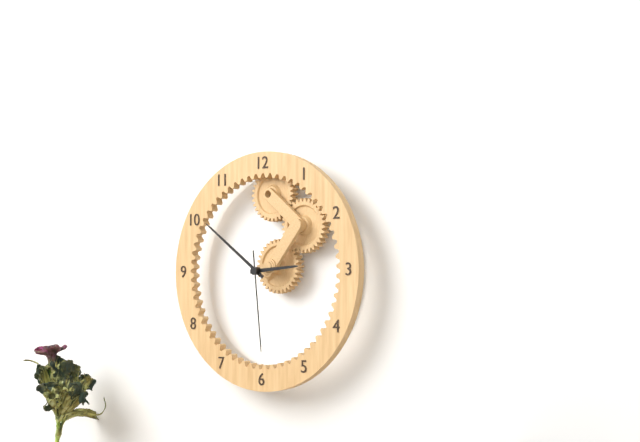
2:51:29
